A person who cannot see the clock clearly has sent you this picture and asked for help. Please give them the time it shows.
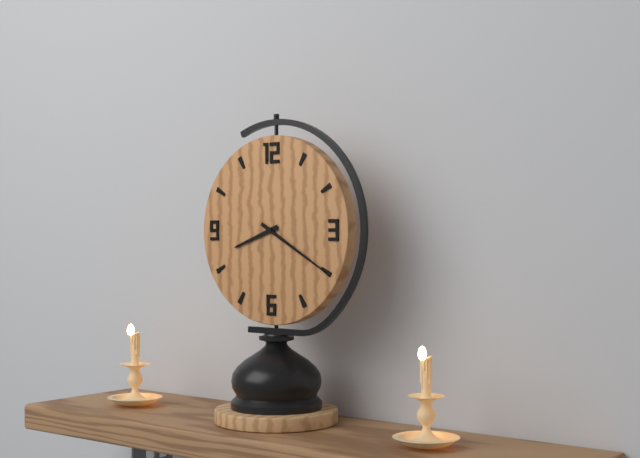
8:20
